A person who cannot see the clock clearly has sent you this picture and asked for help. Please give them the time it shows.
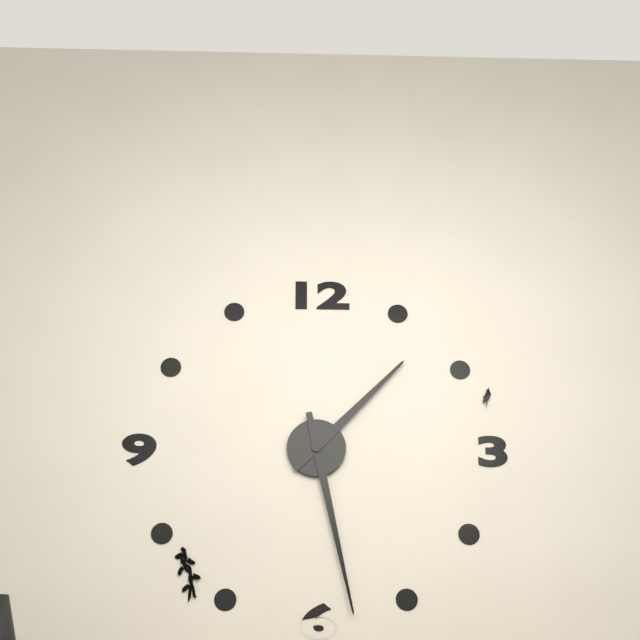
1:28
